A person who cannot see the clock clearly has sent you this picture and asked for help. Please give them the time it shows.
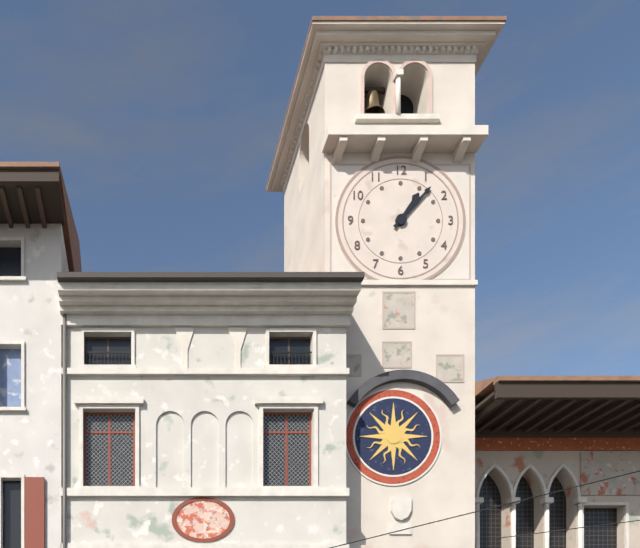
1:07
